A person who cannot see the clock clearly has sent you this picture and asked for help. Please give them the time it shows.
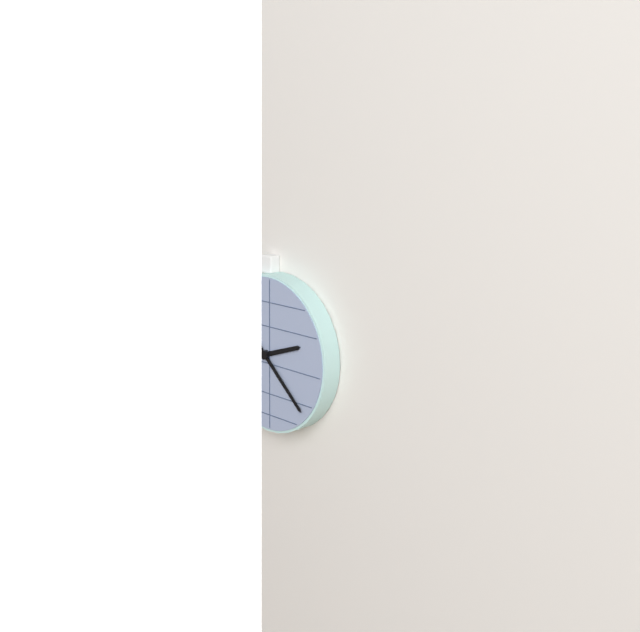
2:22
